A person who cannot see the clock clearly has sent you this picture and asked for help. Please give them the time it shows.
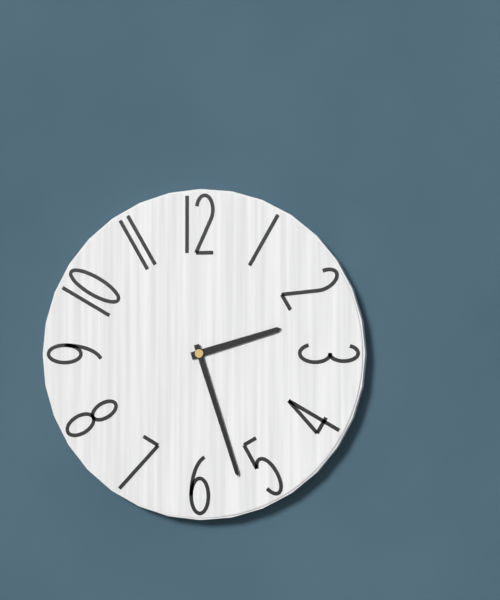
2:27
